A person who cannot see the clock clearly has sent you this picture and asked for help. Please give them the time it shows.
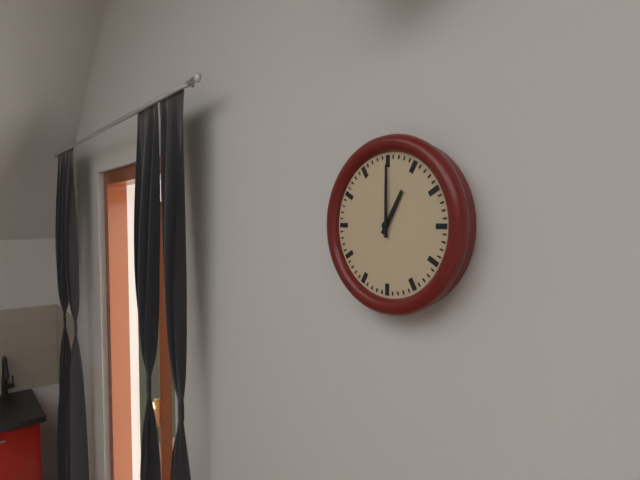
1:00
